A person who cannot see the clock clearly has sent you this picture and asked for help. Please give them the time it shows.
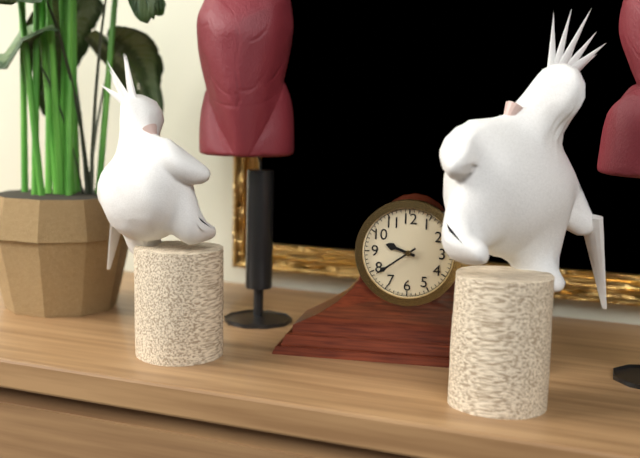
9:39
